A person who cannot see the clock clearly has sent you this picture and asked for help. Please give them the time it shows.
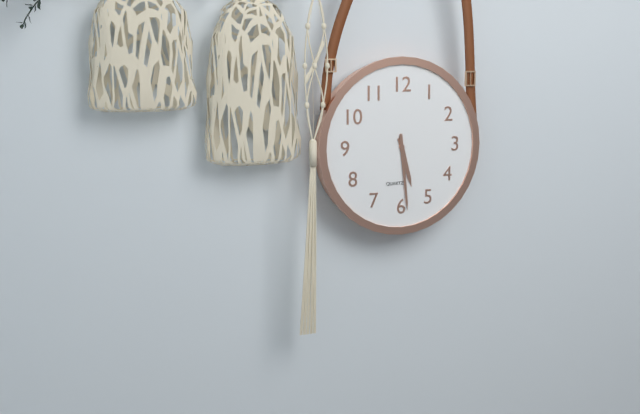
5:29
